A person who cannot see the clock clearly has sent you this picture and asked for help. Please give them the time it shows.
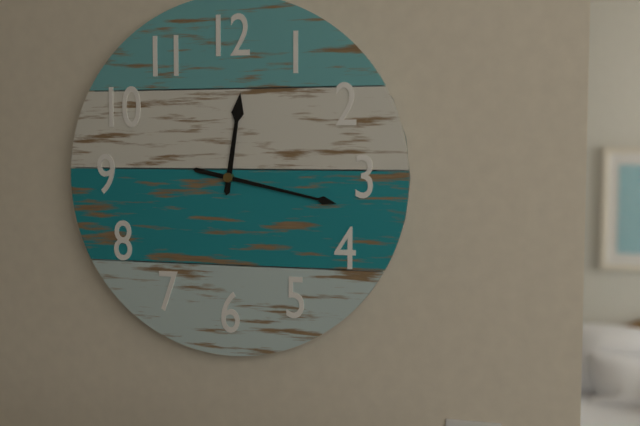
12:17
